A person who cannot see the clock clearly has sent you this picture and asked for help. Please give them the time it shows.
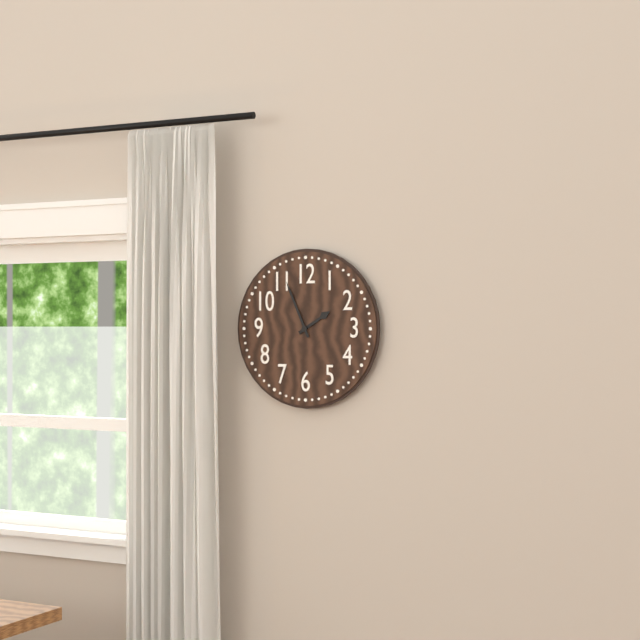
1:56
